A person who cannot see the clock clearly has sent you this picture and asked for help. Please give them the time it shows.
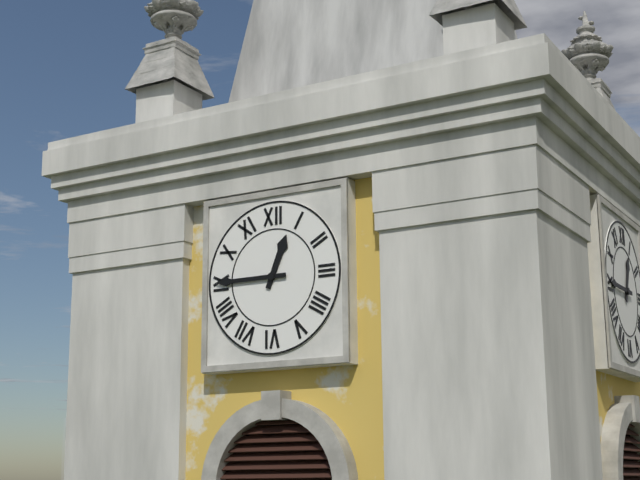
12:45
